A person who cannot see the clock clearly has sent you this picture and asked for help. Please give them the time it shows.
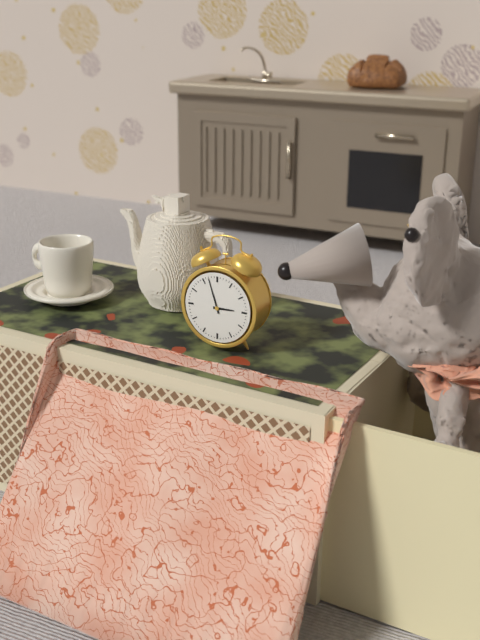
2:57
